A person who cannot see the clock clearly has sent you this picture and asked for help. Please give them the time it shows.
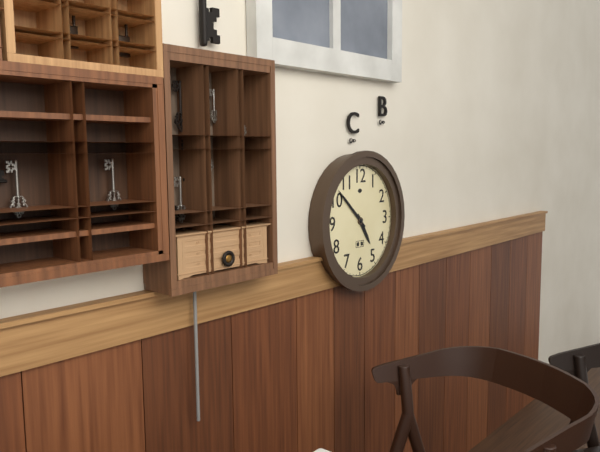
4:52
